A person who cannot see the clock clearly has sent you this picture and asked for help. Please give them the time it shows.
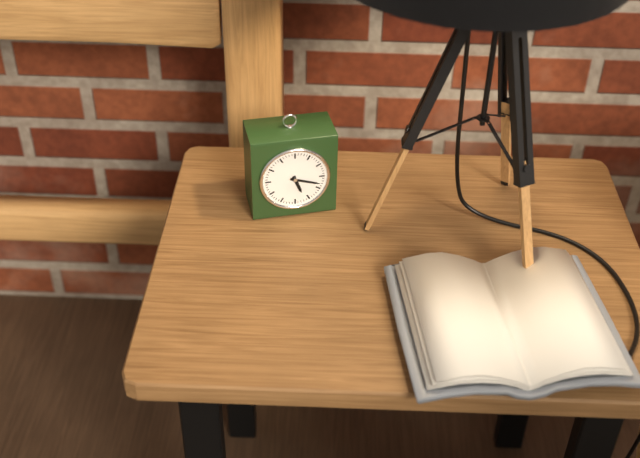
5:18
